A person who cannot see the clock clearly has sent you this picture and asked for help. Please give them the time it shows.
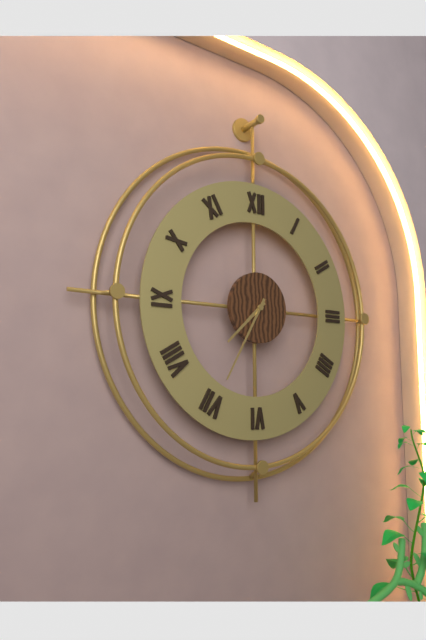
7:35
